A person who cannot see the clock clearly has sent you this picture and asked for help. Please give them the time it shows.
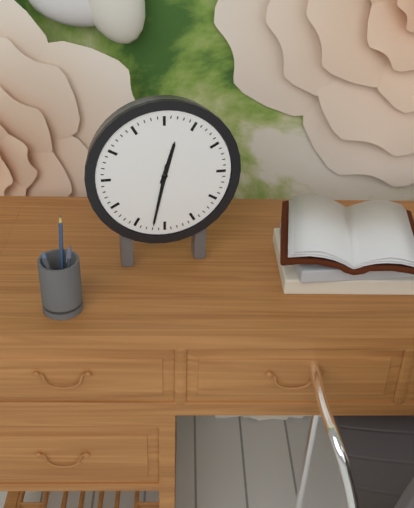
12:32
